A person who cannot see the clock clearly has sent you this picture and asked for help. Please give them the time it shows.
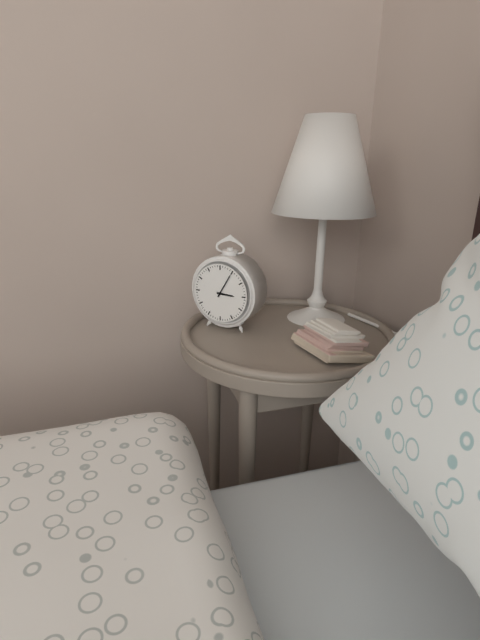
3:05
